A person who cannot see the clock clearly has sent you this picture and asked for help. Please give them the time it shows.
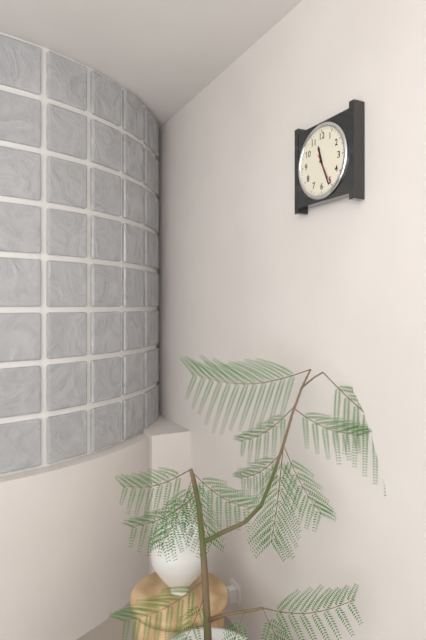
11:26
